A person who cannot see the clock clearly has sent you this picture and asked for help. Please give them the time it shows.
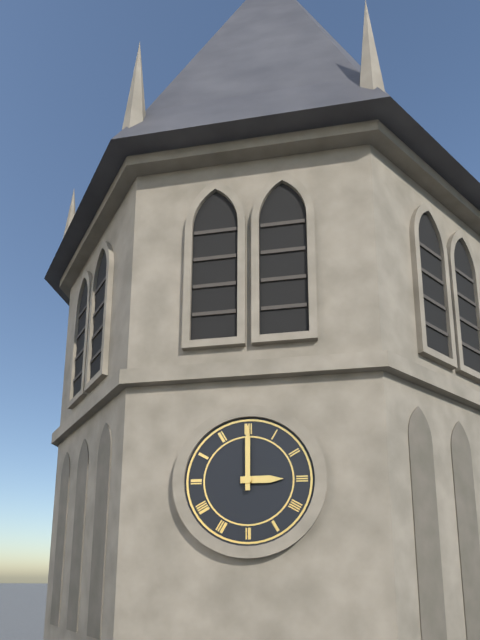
3:00
